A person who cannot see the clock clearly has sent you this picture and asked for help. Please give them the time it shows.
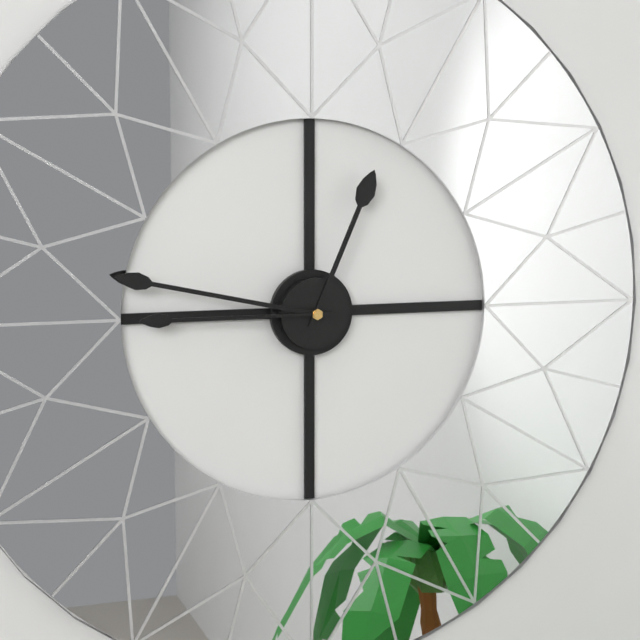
12:47:45
